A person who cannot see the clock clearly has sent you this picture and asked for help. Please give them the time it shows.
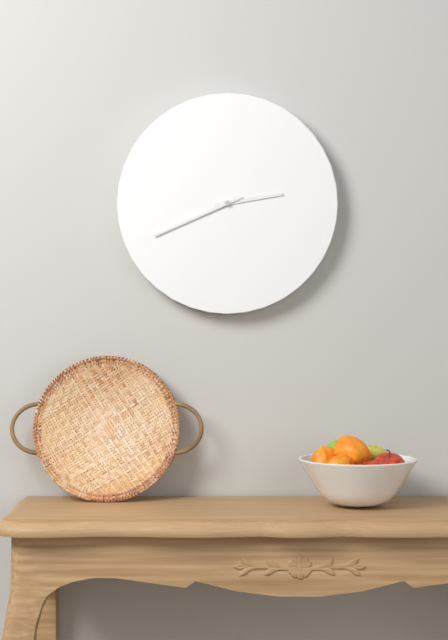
2:41
